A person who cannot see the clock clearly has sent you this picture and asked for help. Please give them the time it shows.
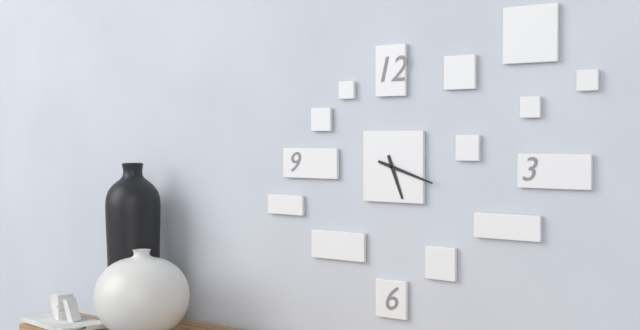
5:18
